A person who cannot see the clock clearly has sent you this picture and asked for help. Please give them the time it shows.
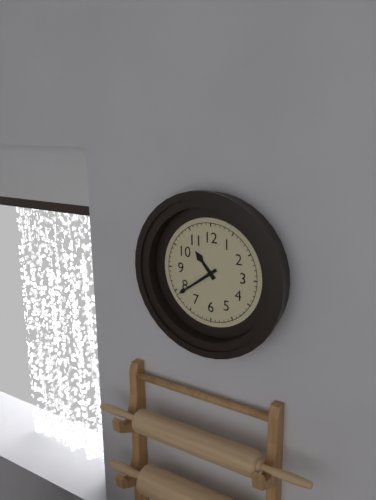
10:39
